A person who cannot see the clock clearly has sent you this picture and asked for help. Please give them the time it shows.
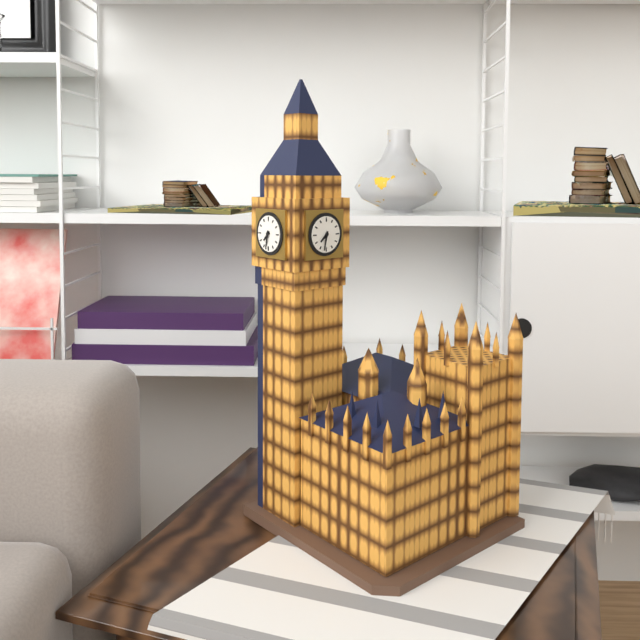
7:32
